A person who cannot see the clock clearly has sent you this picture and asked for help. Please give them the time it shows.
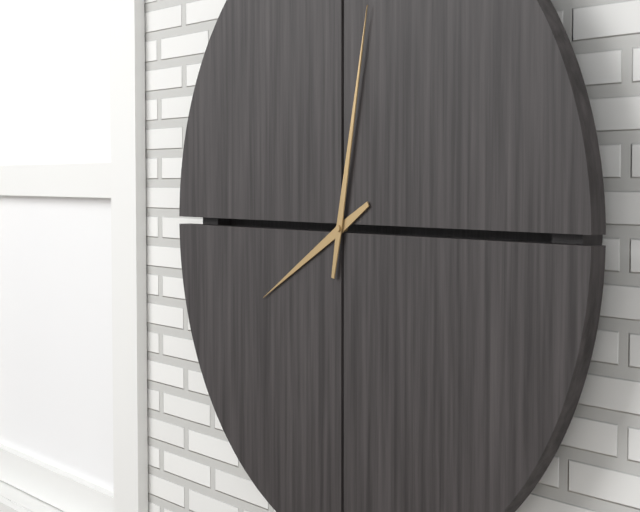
8:02
